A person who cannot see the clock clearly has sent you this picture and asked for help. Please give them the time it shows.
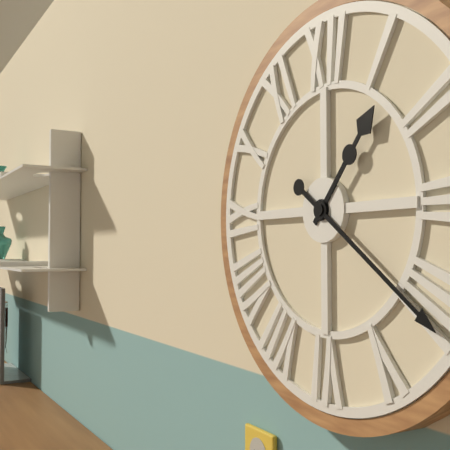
1:21
